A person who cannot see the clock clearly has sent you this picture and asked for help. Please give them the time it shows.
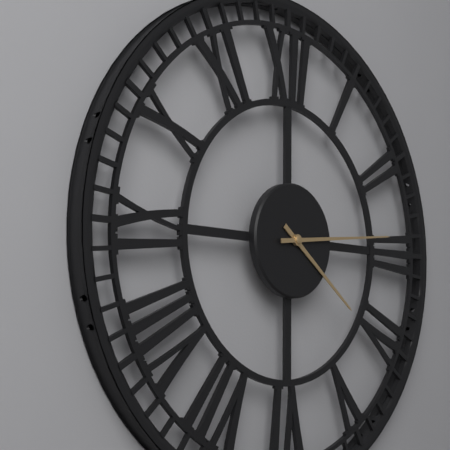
4:14
